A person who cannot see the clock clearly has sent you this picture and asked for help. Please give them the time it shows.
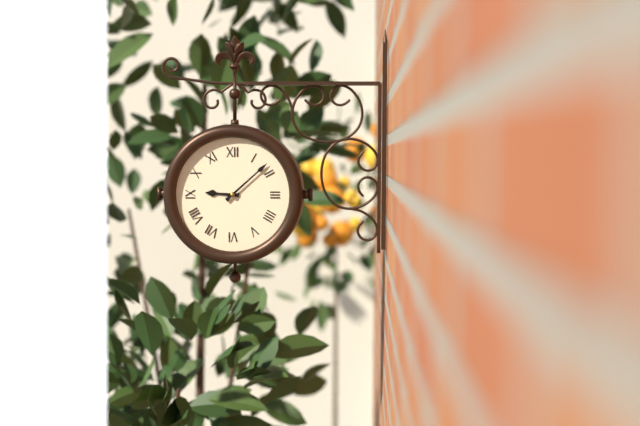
9:08
